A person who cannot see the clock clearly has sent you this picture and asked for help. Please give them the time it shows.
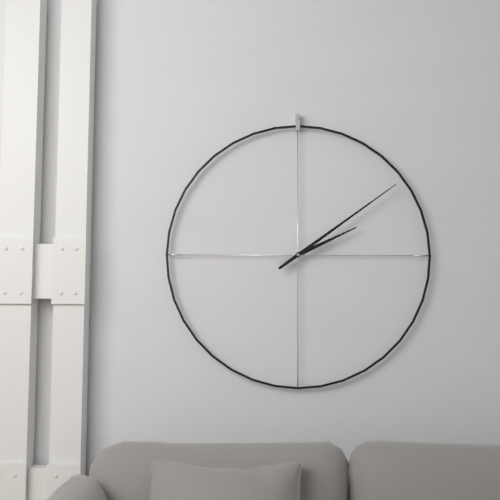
2:09
